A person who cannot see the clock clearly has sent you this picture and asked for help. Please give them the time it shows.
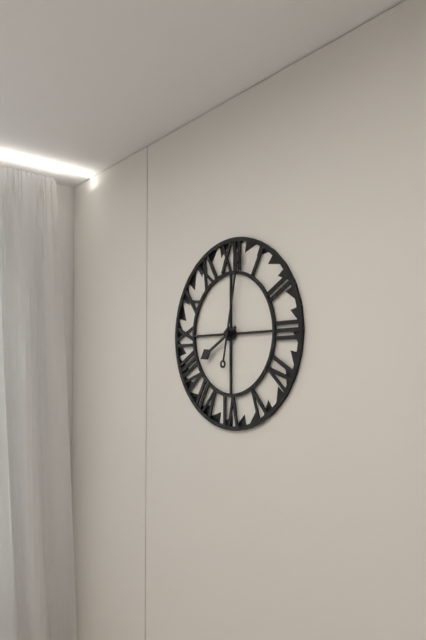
8:02
